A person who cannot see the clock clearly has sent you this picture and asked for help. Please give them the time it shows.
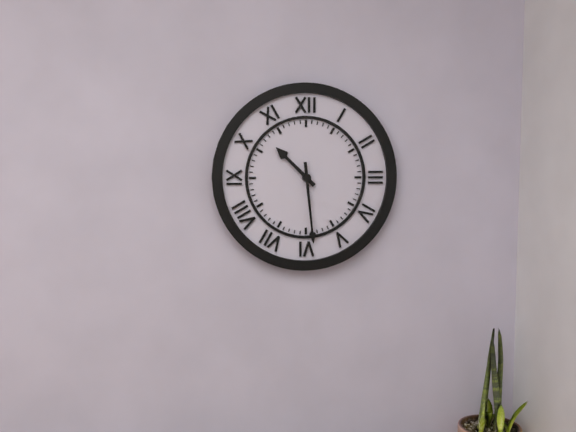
10:29
